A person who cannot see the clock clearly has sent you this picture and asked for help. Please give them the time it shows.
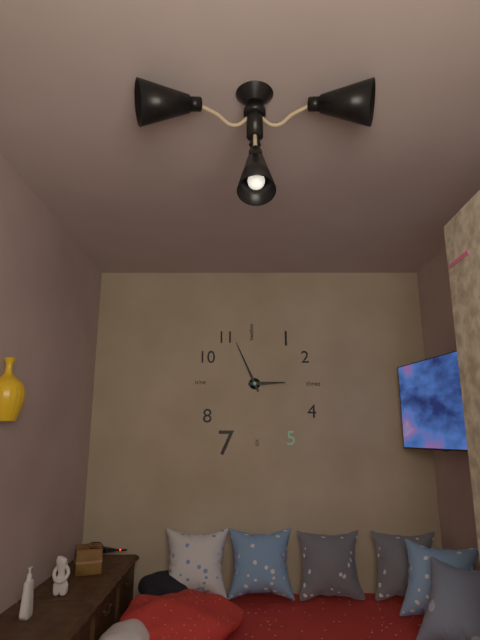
2:56
